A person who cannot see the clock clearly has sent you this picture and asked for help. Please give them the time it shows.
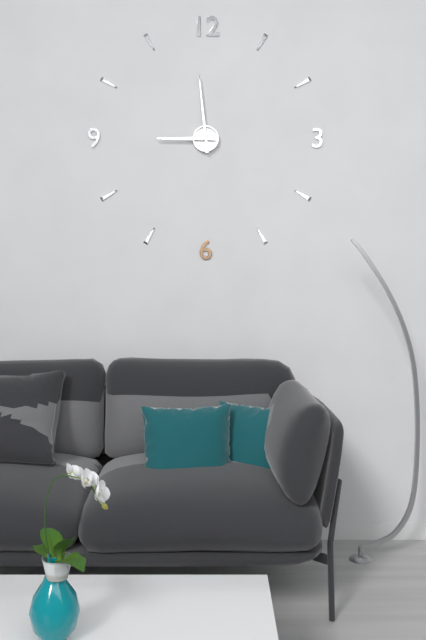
8:59
